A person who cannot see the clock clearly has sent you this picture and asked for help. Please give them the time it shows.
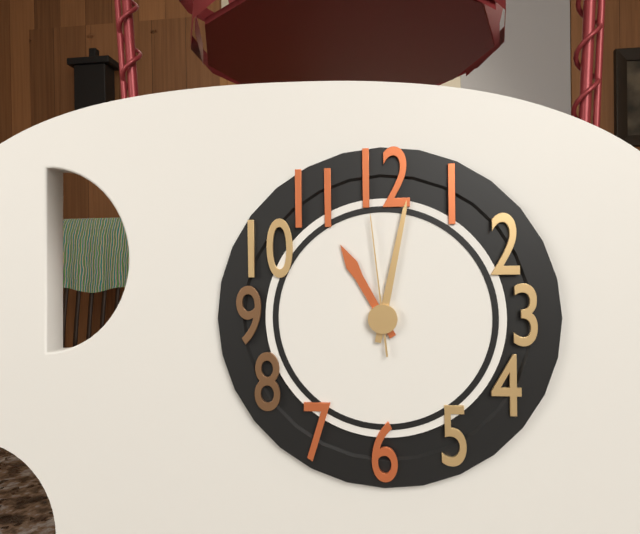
11:02:59
